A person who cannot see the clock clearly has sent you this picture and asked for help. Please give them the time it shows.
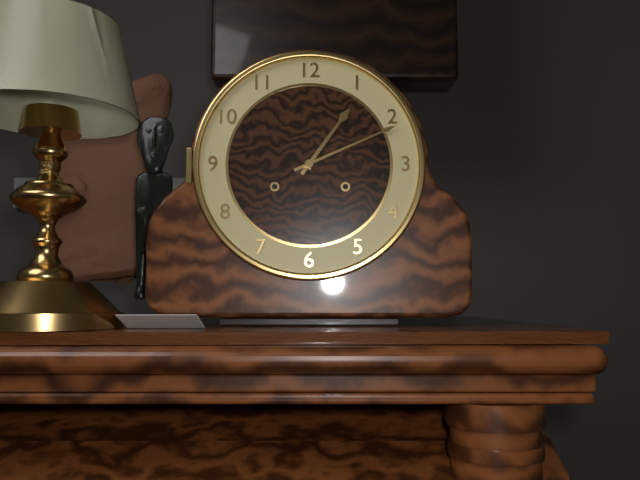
1:11
